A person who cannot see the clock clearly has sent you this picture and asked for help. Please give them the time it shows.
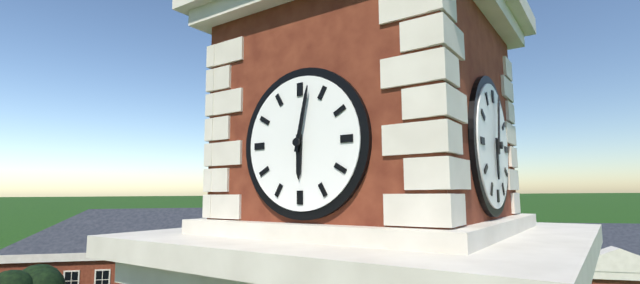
6:02
